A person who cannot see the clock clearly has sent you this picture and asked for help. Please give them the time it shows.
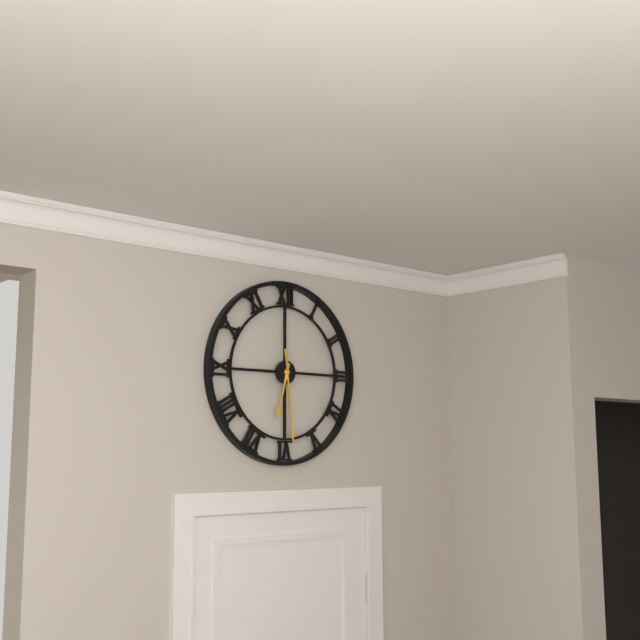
6:29
